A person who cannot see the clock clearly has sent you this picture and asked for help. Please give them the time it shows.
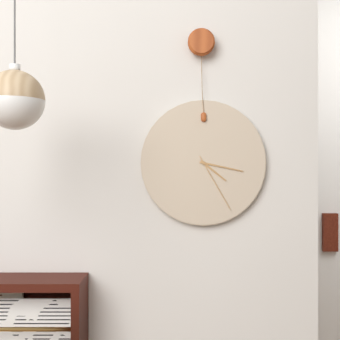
4:17:25
